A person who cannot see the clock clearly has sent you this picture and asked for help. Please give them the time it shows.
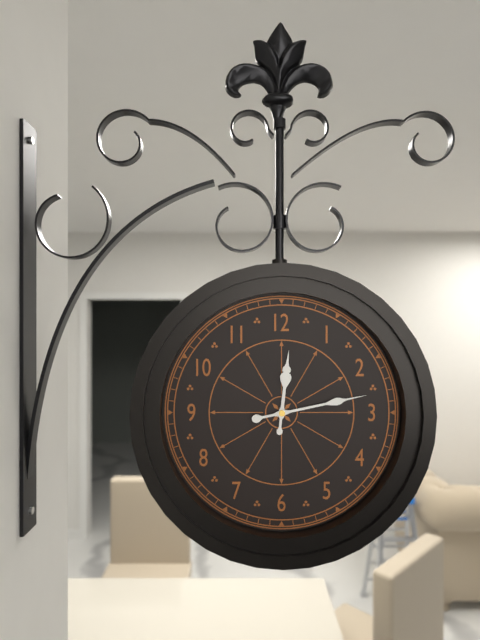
12:13
